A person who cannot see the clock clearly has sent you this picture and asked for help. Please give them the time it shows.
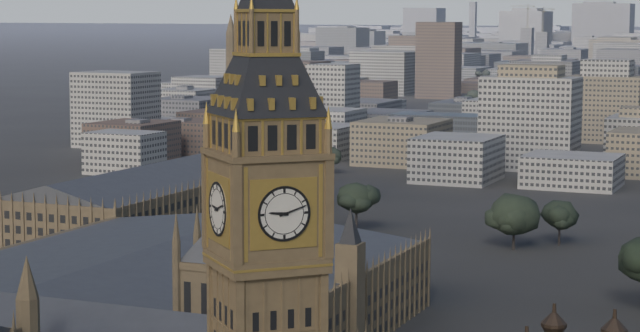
9:12
